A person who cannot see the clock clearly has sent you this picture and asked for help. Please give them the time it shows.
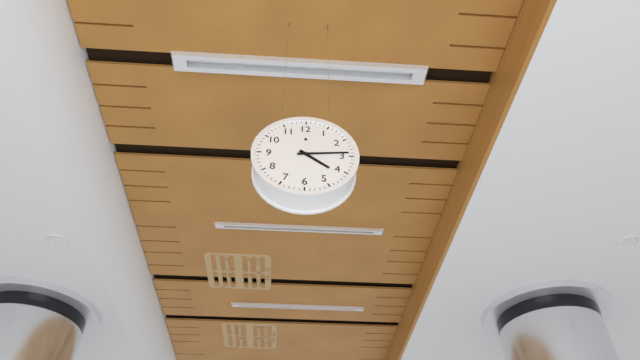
4:14
